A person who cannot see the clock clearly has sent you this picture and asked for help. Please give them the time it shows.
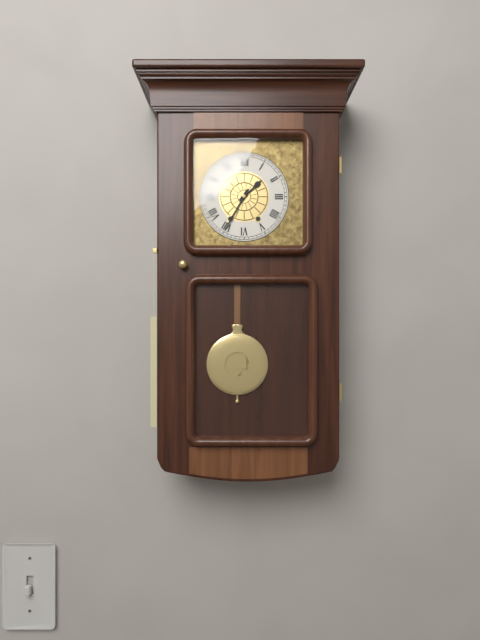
1:35
